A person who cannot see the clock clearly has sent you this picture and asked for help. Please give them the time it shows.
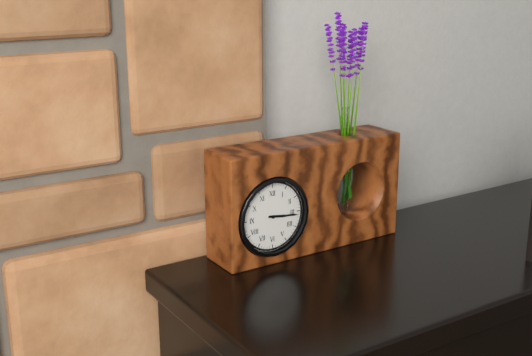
3:16
